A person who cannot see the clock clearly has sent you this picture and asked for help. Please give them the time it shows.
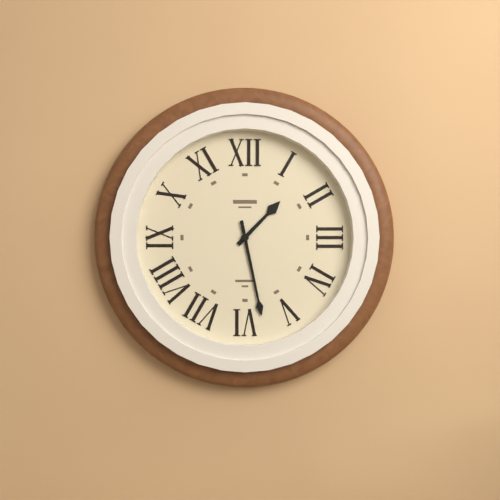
1:28
